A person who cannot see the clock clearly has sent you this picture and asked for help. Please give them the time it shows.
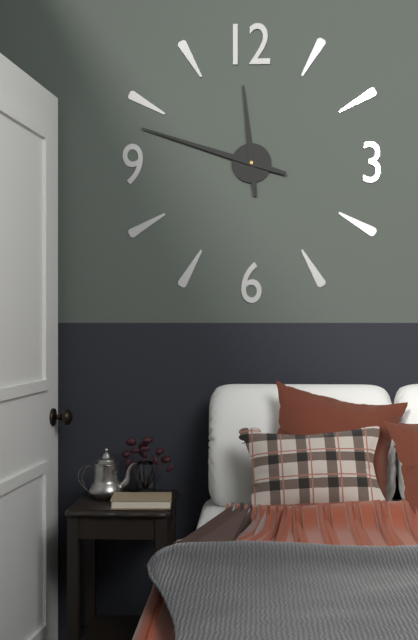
11:48
